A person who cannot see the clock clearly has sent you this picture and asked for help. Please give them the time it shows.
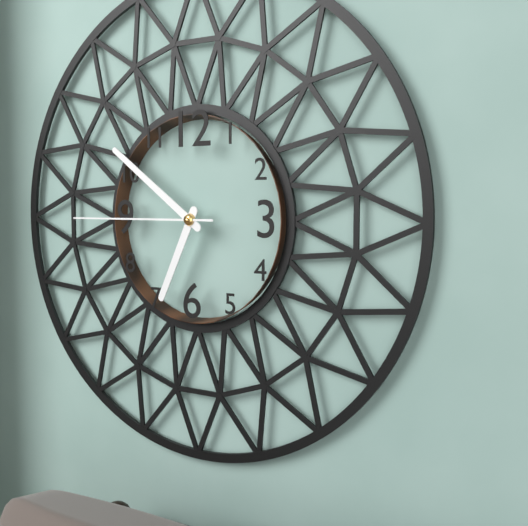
6:51:45
